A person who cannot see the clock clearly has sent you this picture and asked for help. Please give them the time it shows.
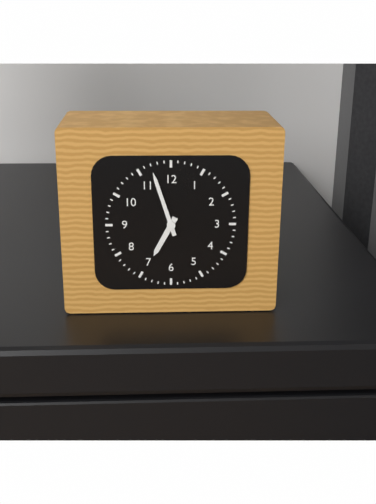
6:57
